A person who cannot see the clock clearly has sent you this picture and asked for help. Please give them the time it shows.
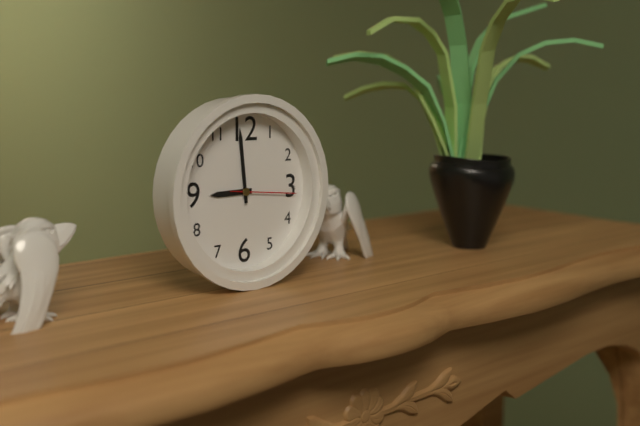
8:59:16
